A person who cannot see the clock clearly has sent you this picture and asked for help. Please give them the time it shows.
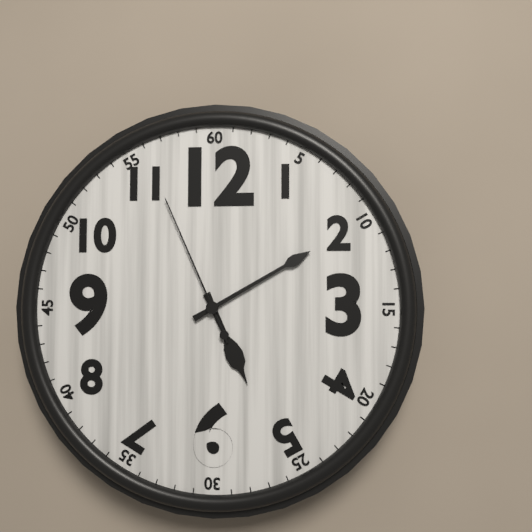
5:10:56
